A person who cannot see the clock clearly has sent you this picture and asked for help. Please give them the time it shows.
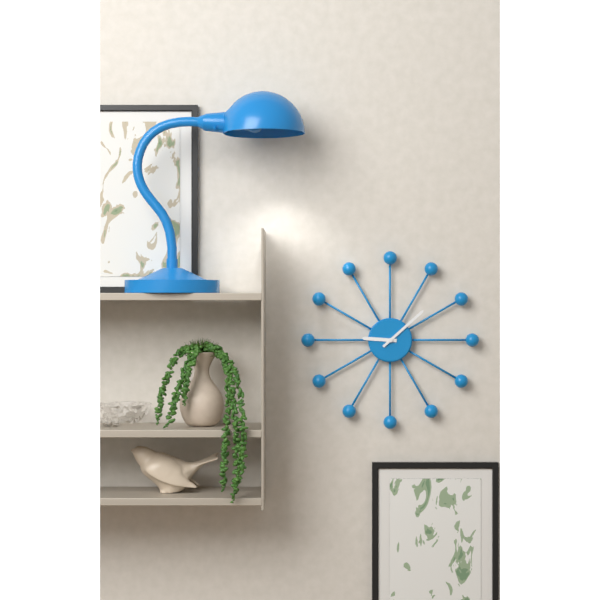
9:08
